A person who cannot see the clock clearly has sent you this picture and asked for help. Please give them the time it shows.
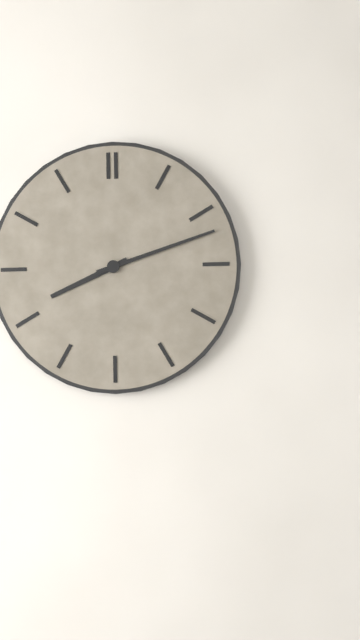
8:12
